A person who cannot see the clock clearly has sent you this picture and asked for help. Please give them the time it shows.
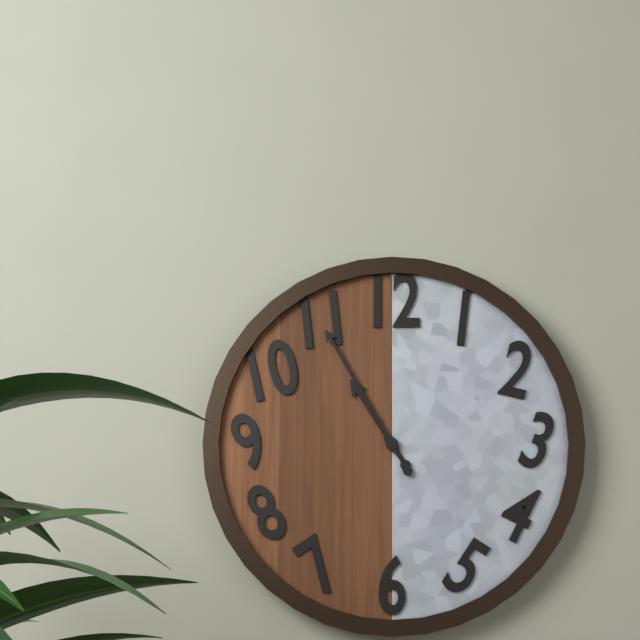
10:55
